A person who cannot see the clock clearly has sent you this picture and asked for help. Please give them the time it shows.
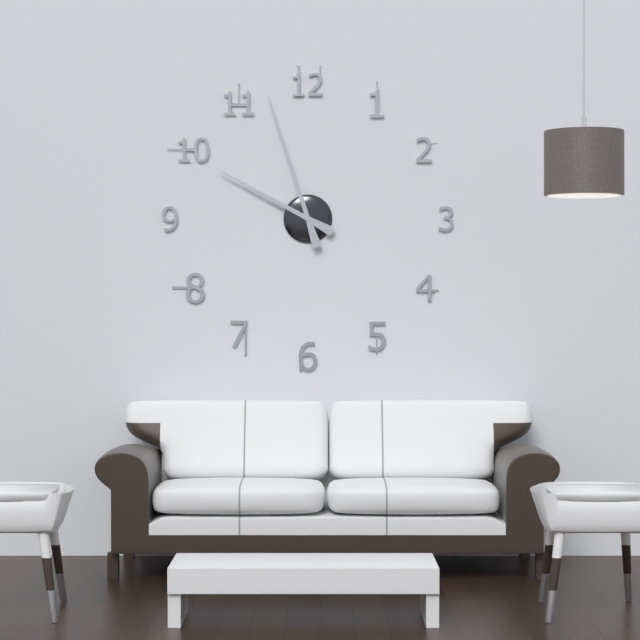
9:57
